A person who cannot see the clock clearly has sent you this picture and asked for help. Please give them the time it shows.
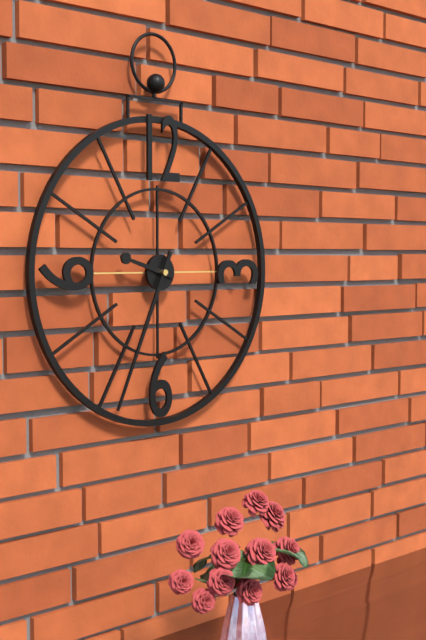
9:34
